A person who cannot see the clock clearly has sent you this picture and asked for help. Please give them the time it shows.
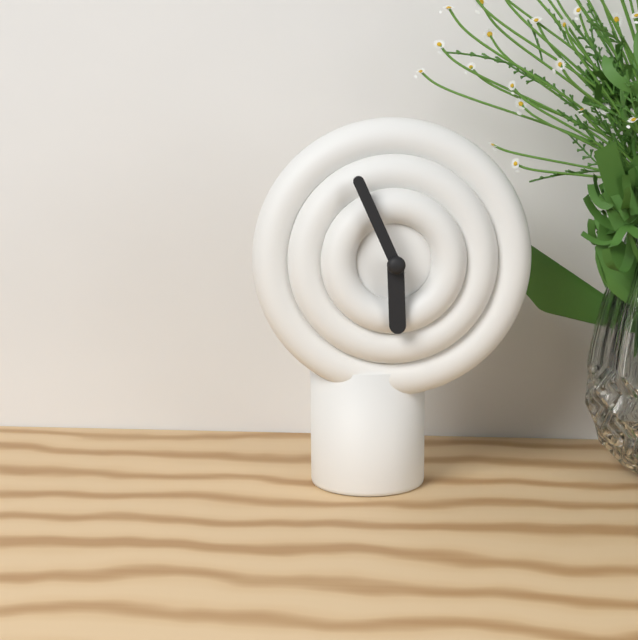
5:56
